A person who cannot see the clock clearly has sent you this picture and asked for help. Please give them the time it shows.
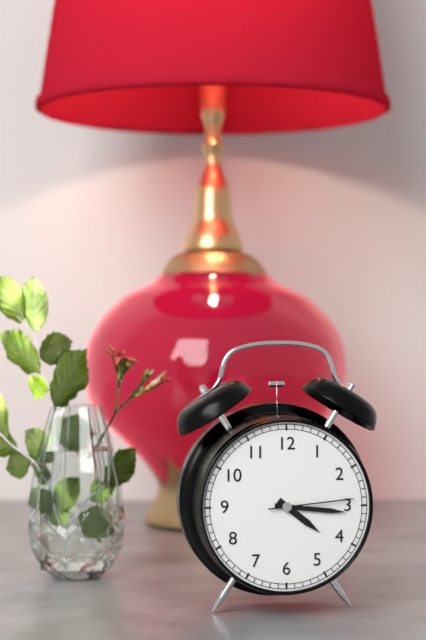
4:16:14
